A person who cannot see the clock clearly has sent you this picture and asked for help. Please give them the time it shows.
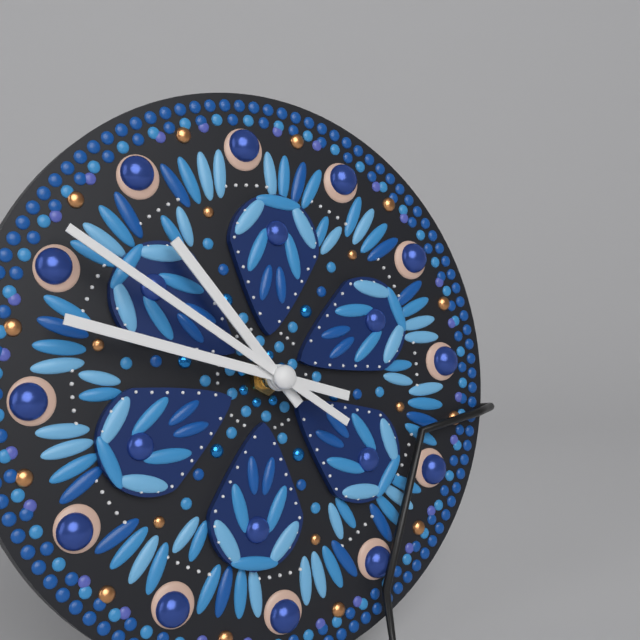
10:48:51
